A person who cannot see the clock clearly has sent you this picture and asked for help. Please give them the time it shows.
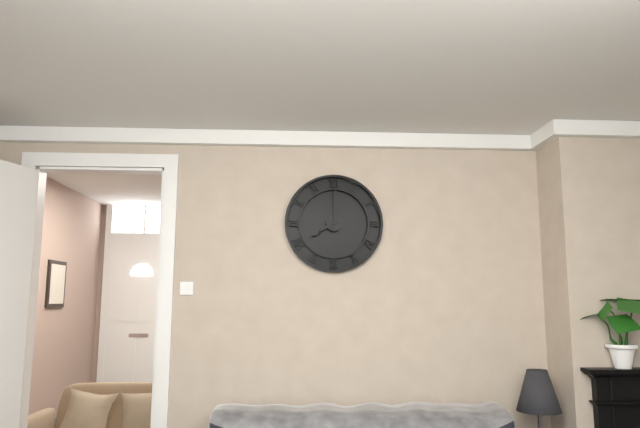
8:00
